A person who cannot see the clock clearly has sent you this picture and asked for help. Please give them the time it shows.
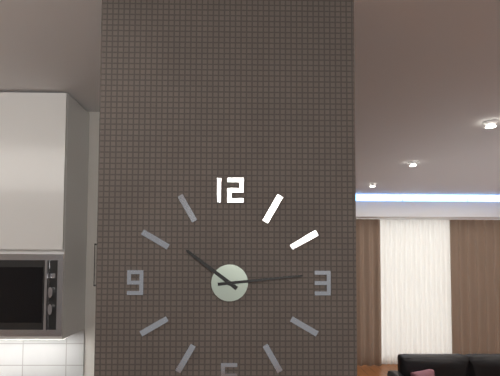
10:14
